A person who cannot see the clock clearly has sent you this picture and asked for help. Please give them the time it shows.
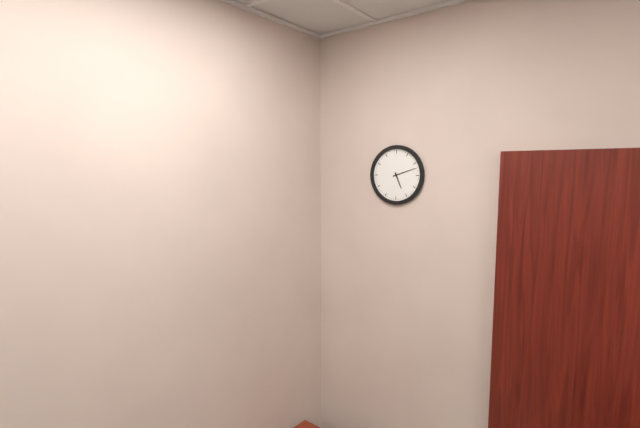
5:12
